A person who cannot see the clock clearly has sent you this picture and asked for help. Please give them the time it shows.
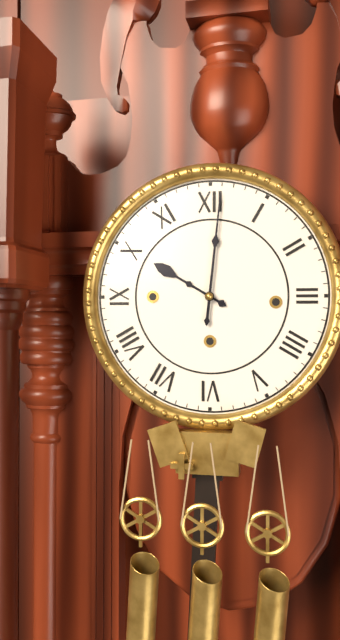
10:01
